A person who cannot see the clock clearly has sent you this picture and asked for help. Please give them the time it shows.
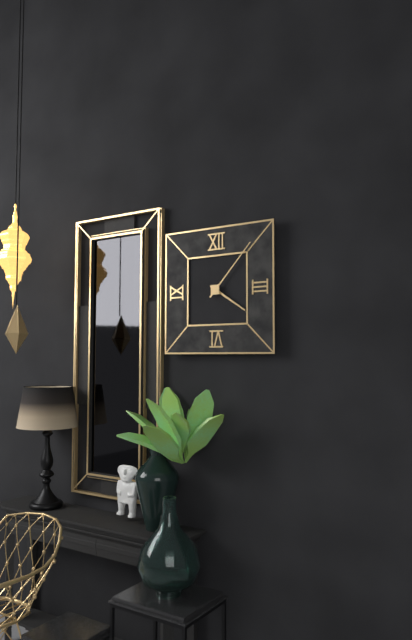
4:07
